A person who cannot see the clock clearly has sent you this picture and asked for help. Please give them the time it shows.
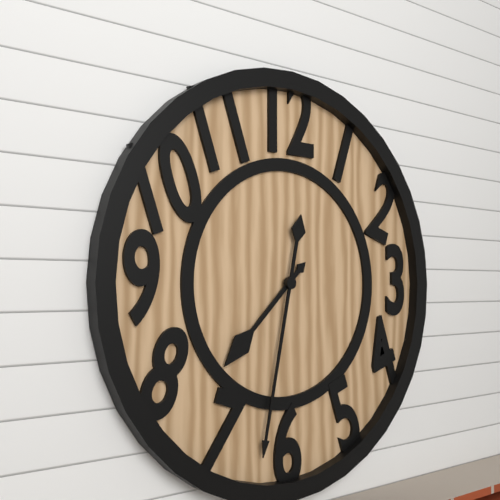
7:32
